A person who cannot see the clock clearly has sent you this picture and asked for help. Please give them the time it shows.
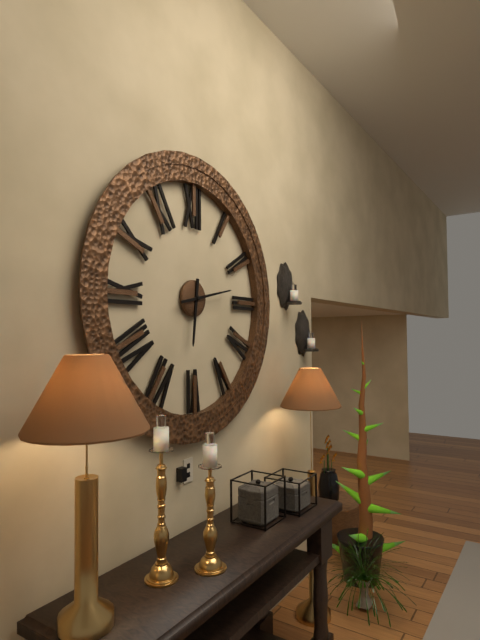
6:13
